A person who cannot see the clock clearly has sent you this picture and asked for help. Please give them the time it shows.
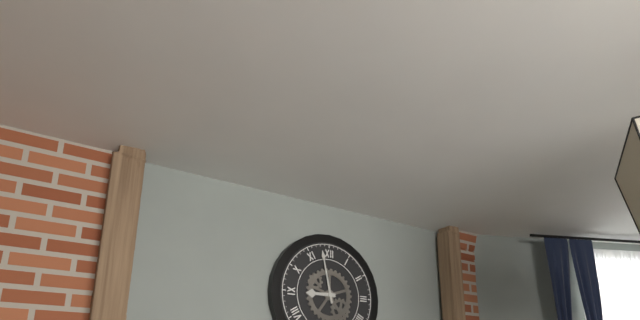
8:58
